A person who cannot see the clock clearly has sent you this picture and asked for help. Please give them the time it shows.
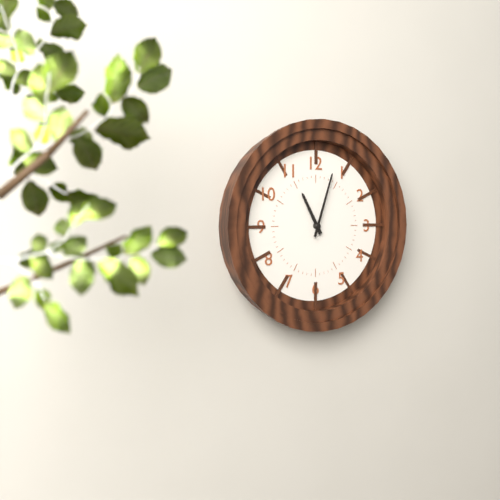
11:03
